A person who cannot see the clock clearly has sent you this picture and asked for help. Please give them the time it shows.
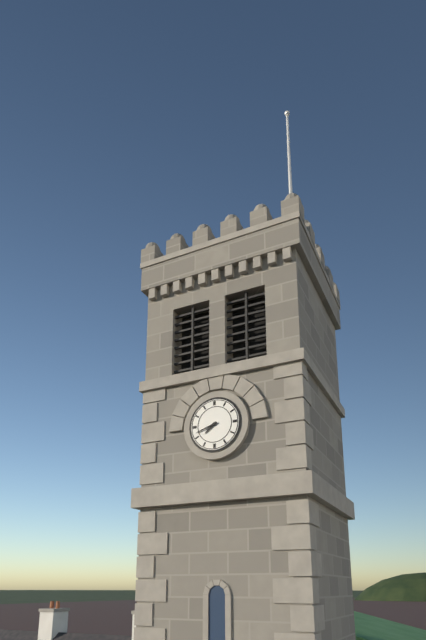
7:42
